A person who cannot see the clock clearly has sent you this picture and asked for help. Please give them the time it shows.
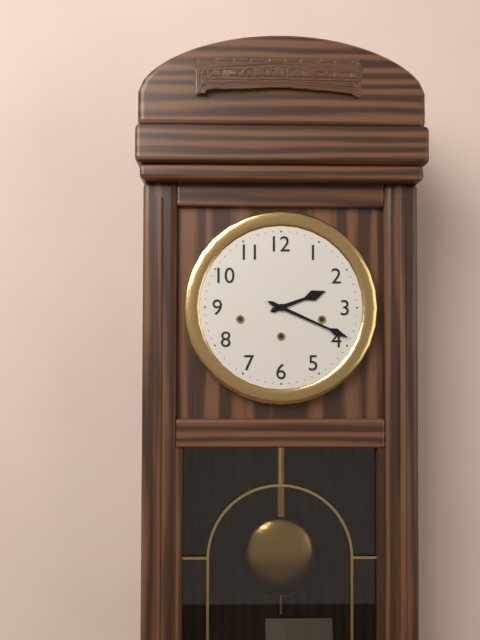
2:19
